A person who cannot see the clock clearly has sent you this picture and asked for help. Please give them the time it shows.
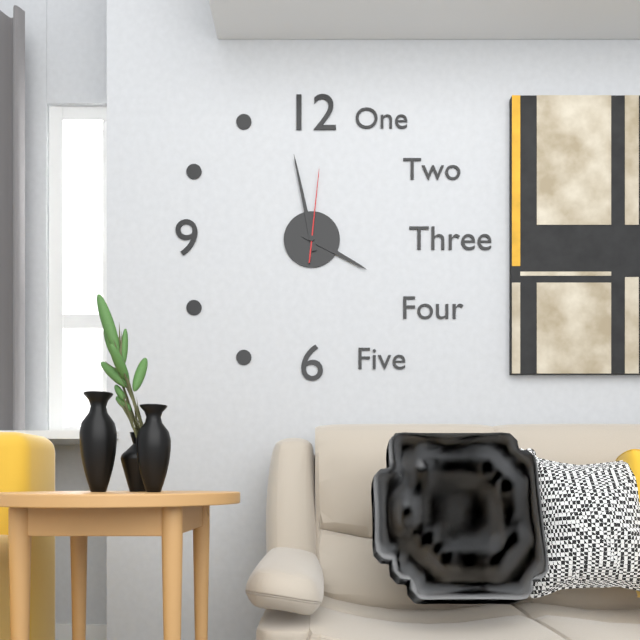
3:58:01
